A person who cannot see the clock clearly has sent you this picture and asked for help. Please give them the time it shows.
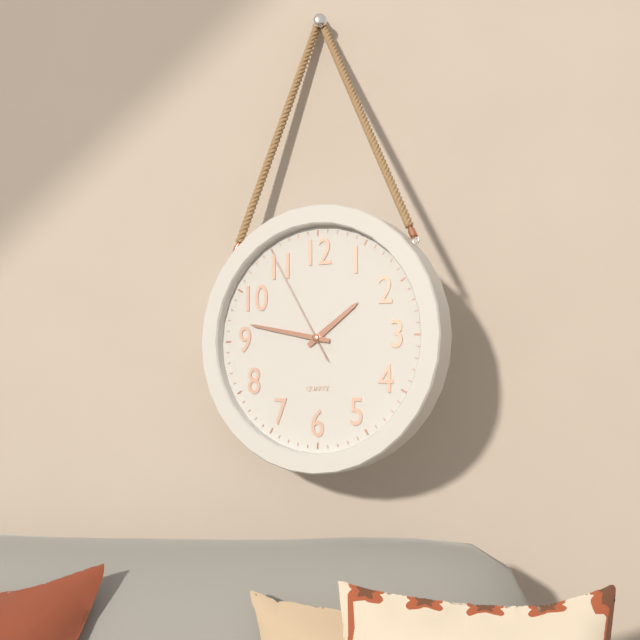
1:47:55
